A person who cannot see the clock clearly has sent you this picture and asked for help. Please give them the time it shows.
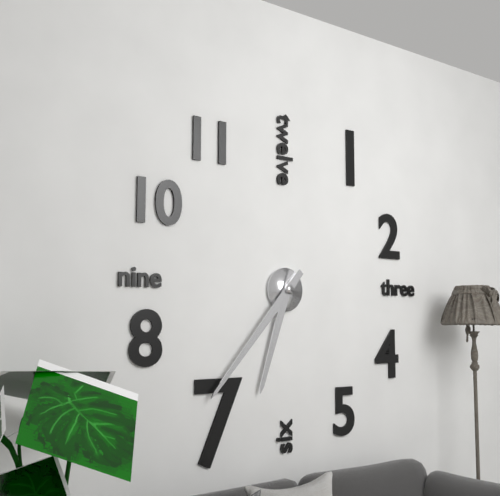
6:37
